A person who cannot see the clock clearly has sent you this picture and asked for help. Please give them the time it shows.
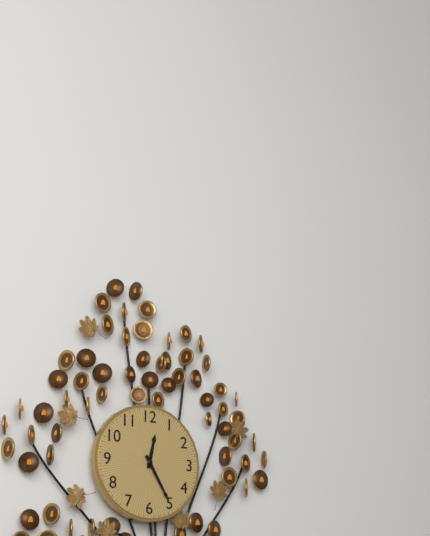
12:25
